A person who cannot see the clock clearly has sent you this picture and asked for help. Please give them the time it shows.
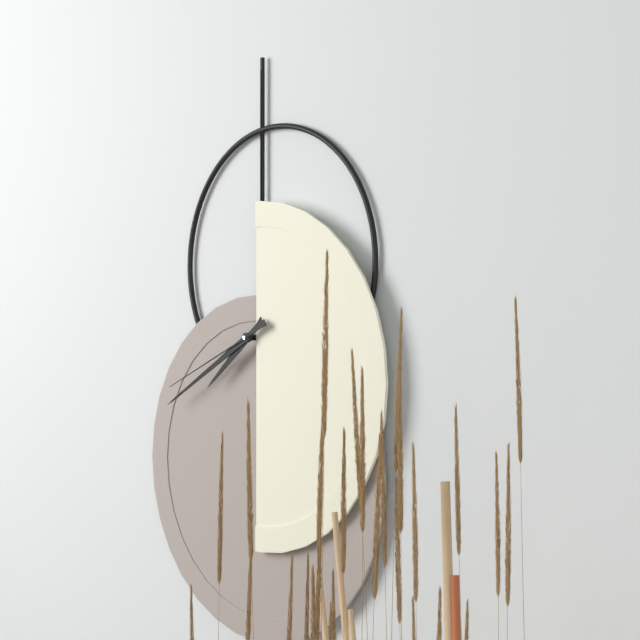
7:40:41
